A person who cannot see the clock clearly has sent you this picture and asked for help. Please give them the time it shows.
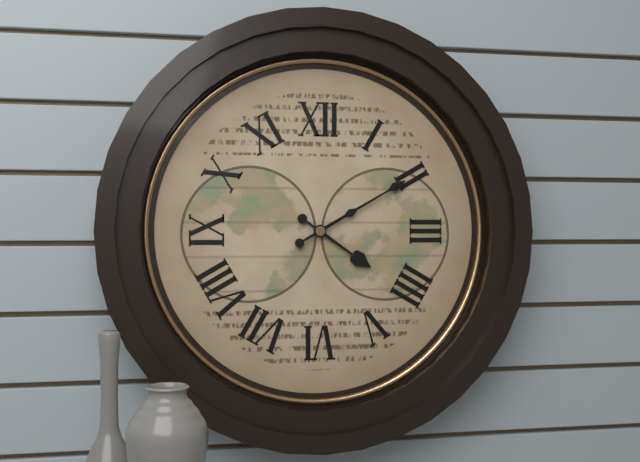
4:10
